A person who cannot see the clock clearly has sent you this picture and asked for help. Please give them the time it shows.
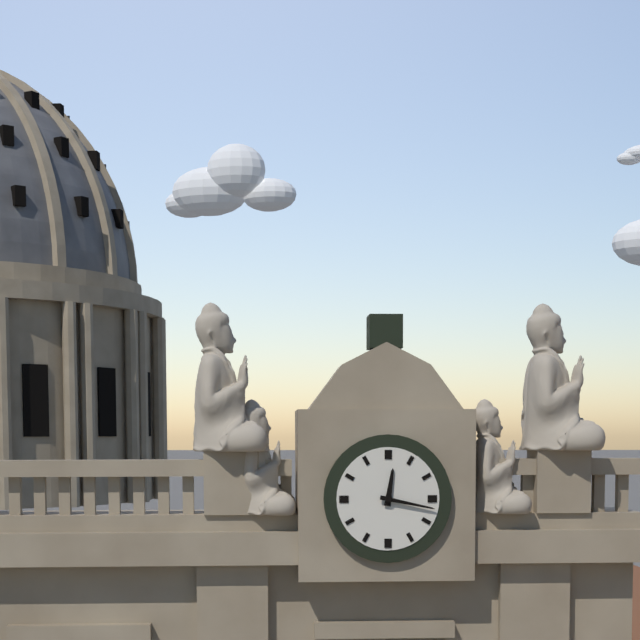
12:17
